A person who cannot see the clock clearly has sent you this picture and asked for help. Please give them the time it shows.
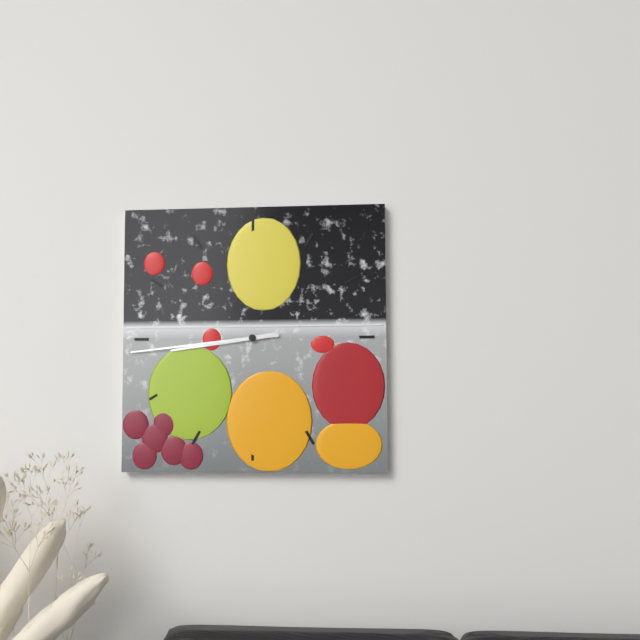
8:44
